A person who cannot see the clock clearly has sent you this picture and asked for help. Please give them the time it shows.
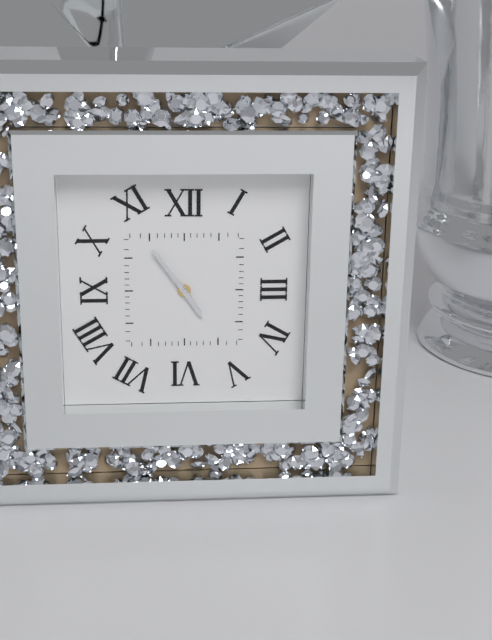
4:54
